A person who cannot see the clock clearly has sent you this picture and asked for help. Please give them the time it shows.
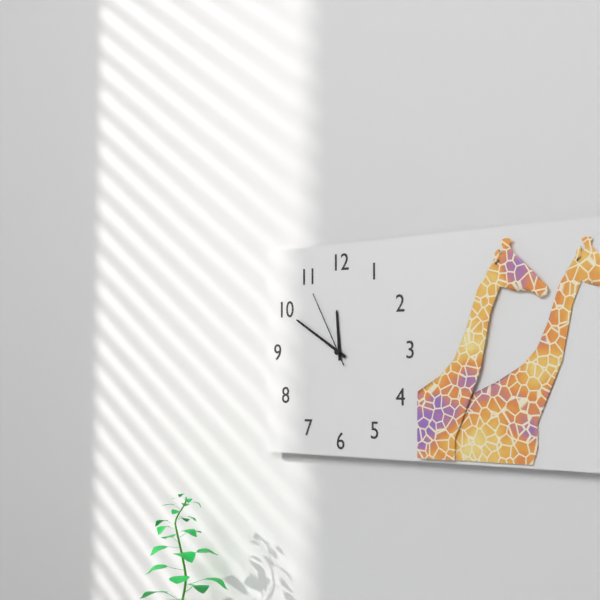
11:50:55
